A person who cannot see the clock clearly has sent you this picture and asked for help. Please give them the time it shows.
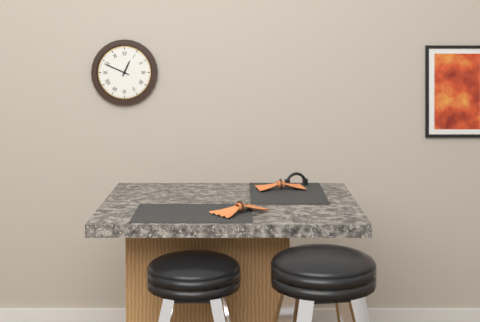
12:49
